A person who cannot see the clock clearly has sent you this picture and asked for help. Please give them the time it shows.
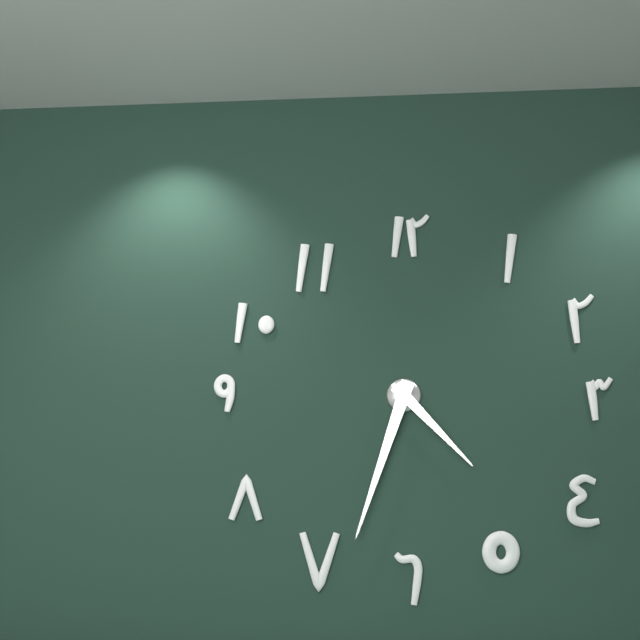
4:33
